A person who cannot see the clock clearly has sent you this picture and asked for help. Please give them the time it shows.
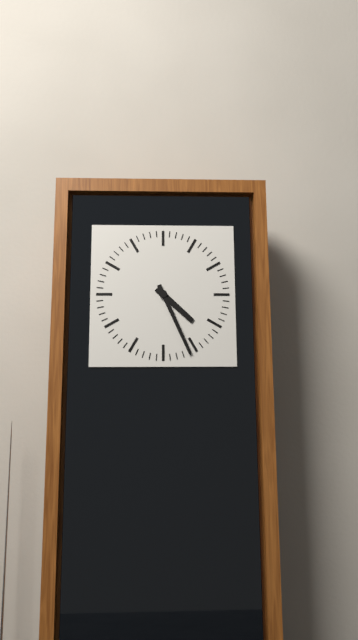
4:26
